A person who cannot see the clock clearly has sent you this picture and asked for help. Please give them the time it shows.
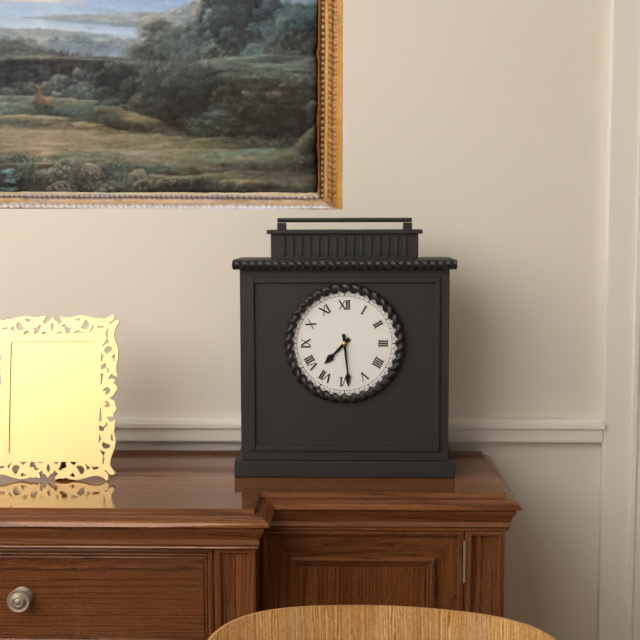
7:29
